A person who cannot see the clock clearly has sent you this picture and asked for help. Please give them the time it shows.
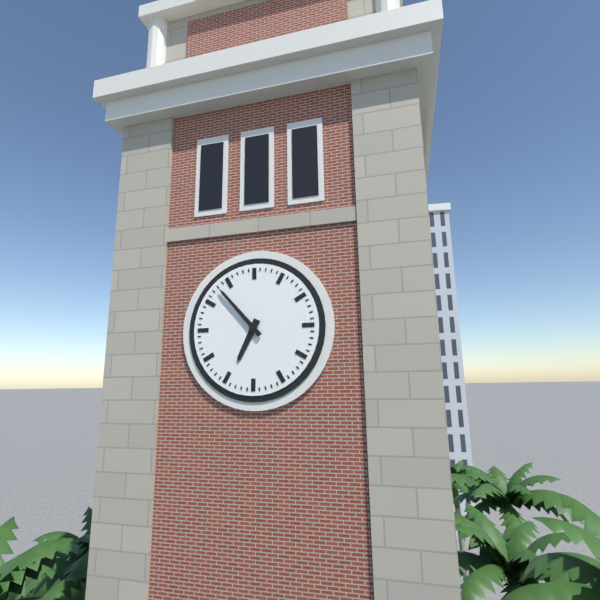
6:53
